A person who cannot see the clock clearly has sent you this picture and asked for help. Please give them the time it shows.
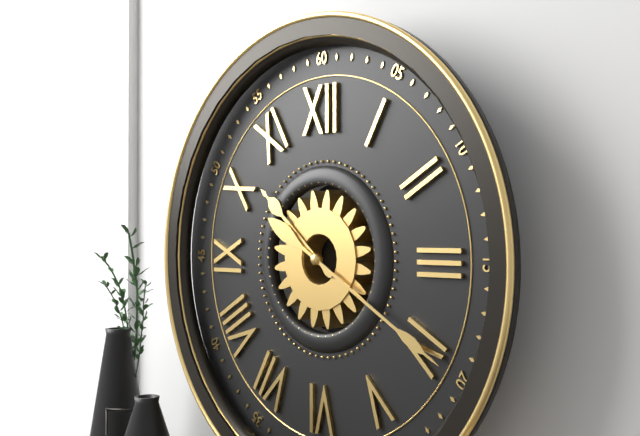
10:20
